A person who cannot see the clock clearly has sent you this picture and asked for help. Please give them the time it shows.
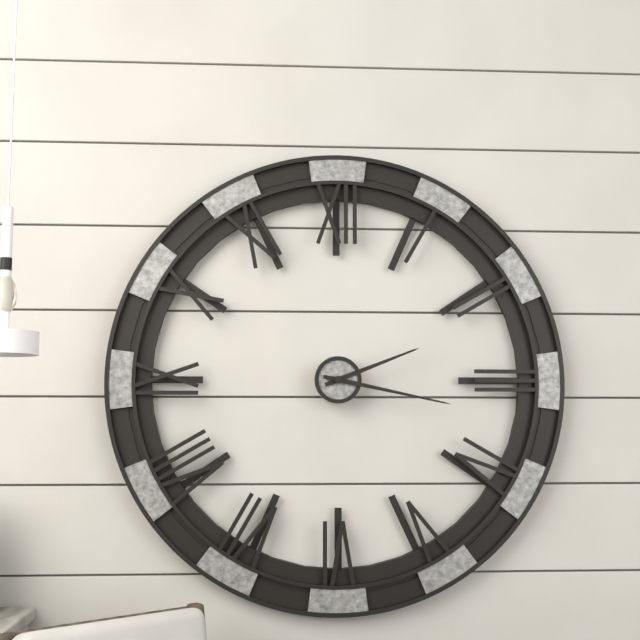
2:17
